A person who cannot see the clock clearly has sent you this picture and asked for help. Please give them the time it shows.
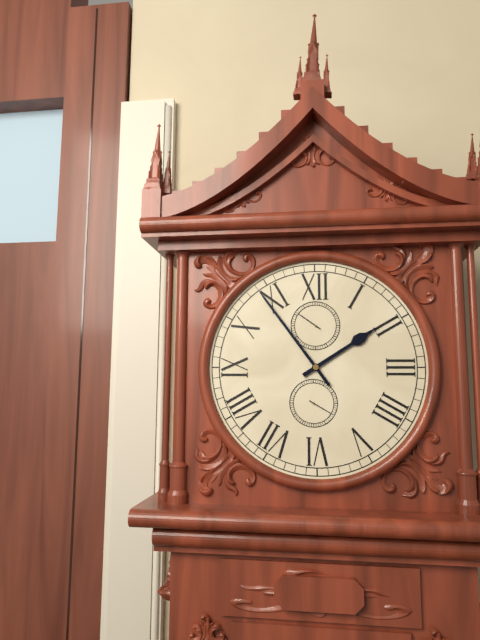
1:54
